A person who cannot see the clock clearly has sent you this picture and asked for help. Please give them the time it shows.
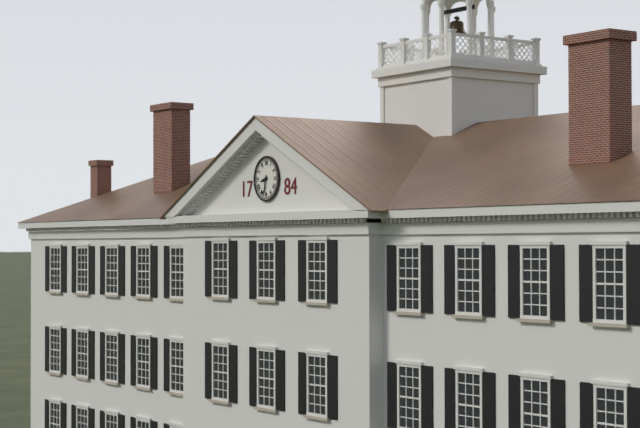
8:32
